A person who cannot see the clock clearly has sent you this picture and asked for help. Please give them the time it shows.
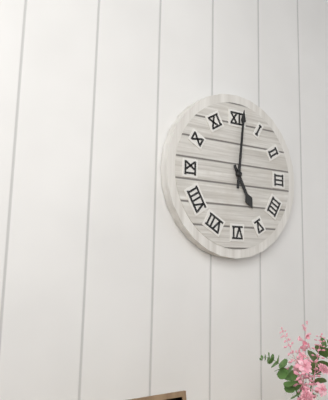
5:01
